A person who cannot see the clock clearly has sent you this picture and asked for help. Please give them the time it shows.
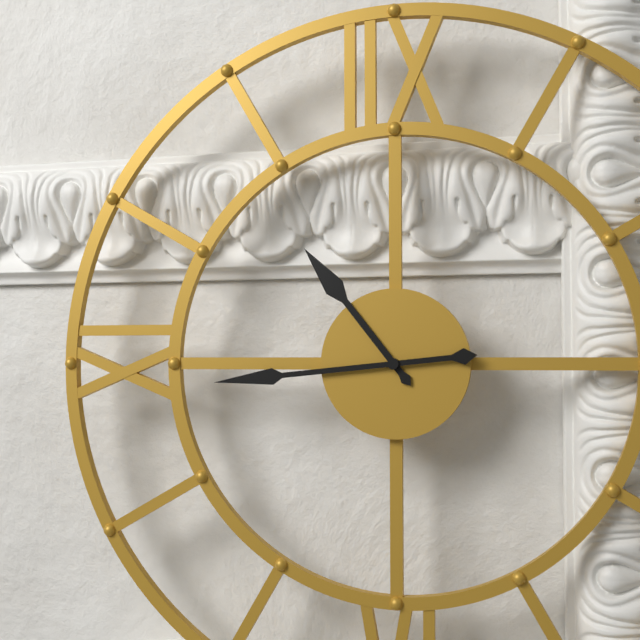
10:44
